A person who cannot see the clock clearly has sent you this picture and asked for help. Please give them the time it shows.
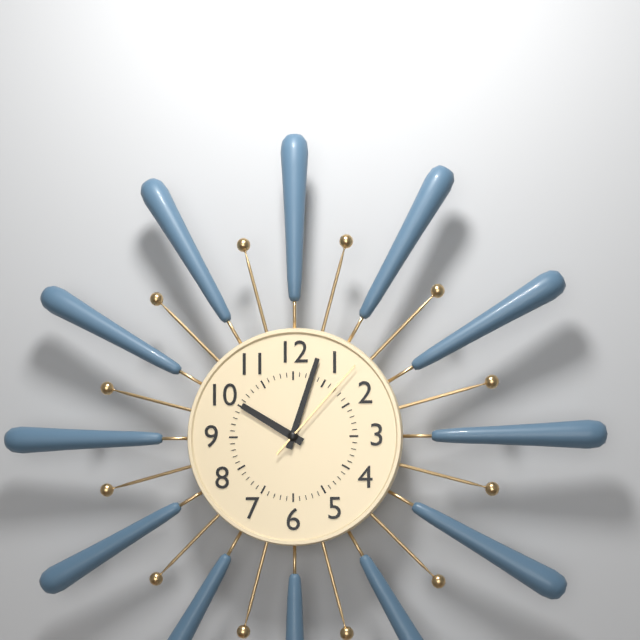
10:03:07
